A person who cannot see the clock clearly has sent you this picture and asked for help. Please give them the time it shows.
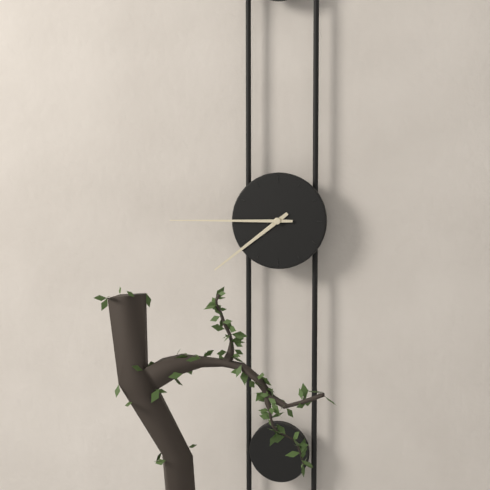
7:45
